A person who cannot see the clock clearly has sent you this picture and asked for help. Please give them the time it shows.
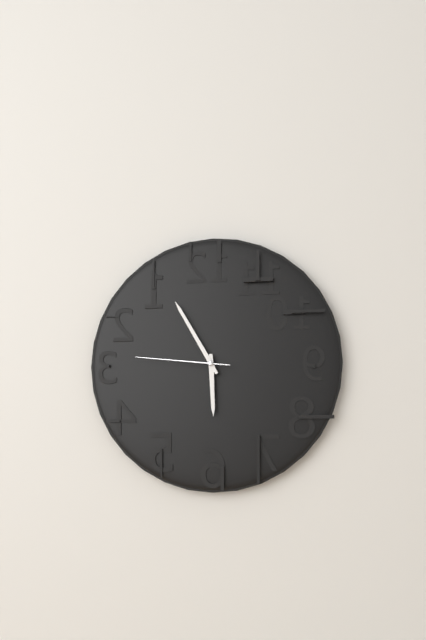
5:55:46
